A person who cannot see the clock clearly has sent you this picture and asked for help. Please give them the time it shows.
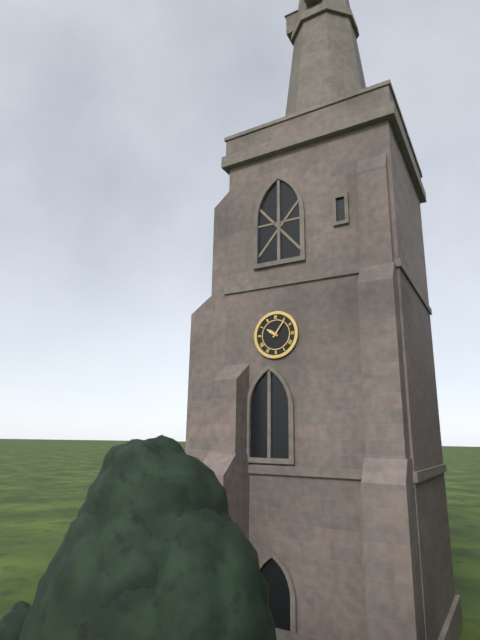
10:06
